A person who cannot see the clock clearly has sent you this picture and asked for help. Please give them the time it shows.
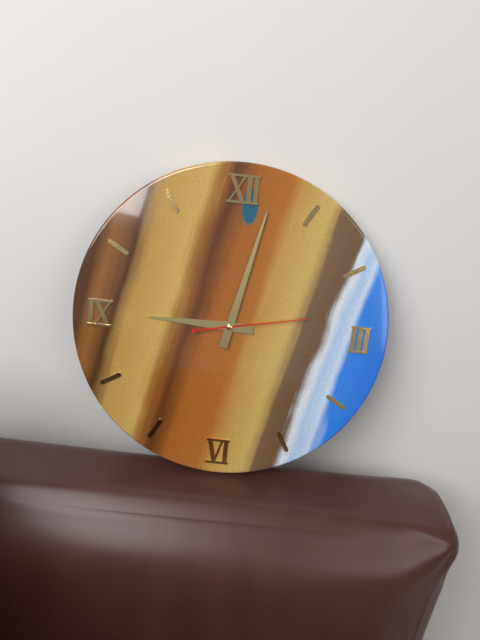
9:02:13
